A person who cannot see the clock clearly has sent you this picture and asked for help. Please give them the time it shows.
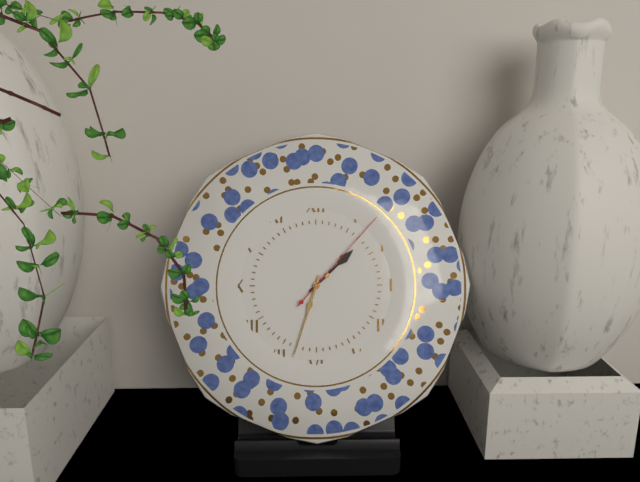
1:33:07
